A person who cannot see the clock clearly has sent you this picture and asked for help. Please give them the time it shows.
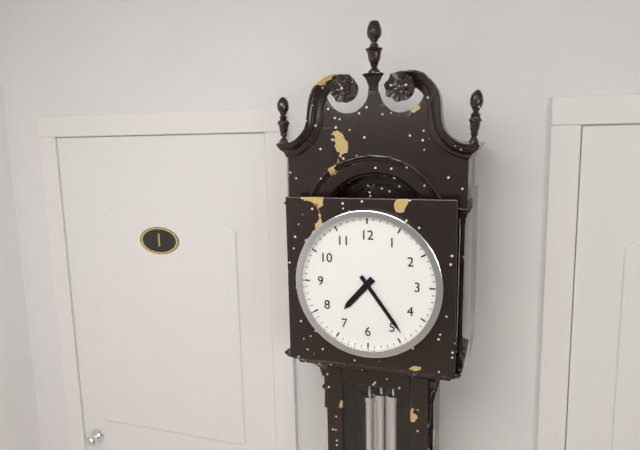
7:24
